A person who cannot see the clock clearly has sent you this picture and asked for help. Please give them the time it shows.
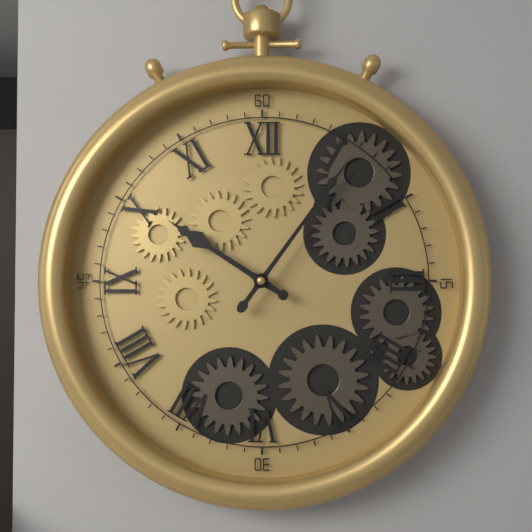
10:06
